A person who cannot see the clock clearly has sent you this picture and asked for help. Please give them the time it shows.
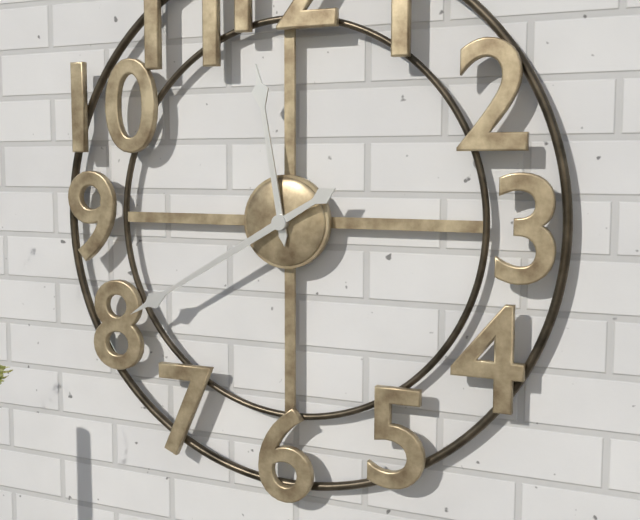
11:40
